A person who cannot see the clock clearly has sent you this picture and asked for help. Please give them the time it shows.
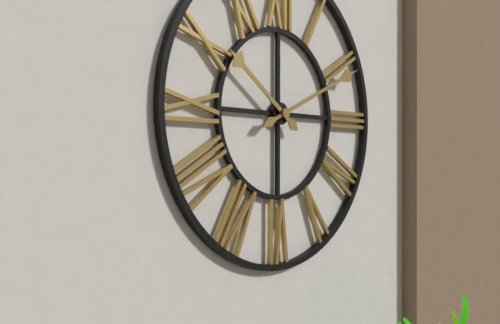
10:11
